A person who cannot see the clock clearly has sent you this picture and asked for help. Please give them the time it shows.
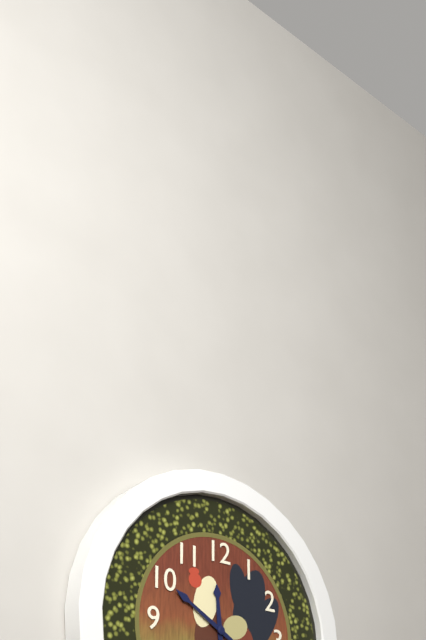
11:50
